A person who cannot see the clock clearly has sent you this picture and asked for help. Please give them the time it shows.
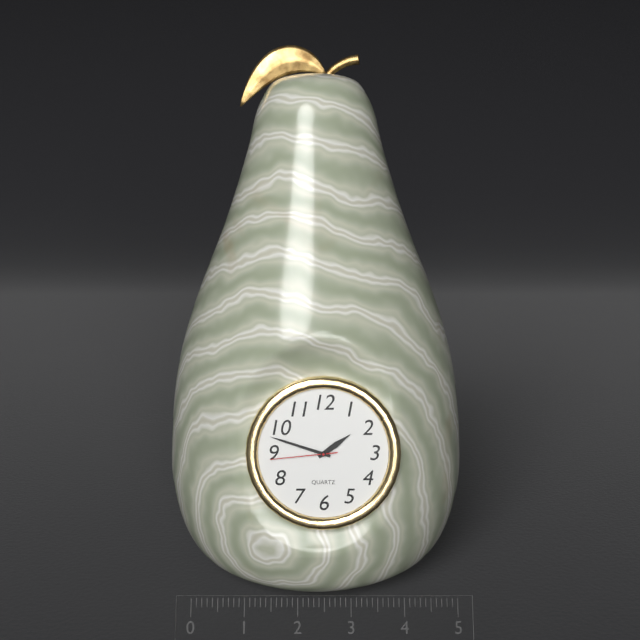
1:48:44
